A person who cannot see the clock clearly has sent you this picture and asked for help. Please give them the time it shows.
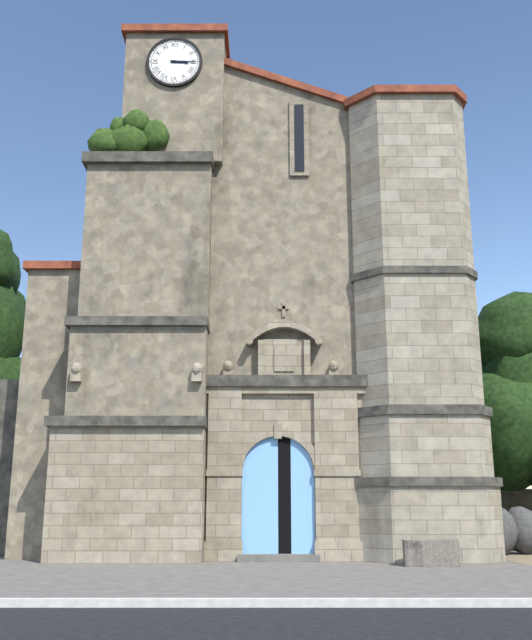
3:15
